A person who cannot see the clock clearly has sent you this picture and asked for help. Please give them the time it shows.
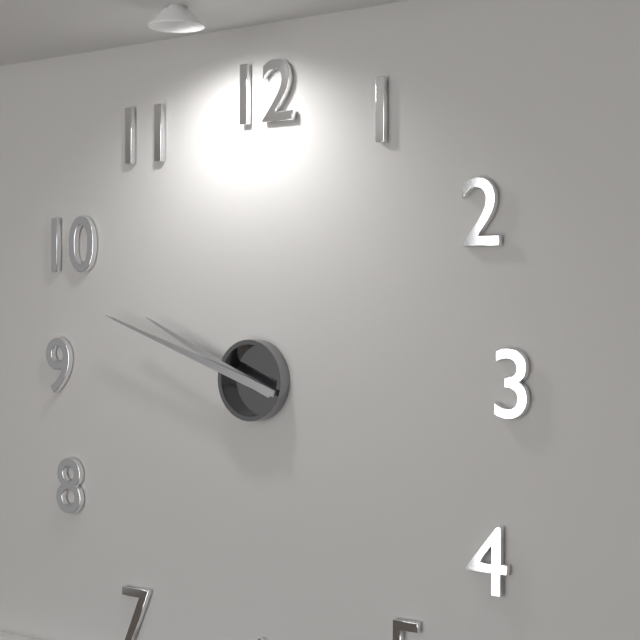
9:48
